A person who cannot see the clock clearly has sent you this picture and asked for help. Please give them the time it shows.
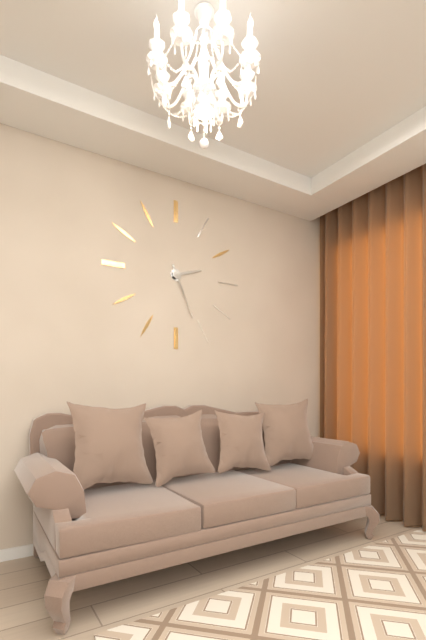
2:26
